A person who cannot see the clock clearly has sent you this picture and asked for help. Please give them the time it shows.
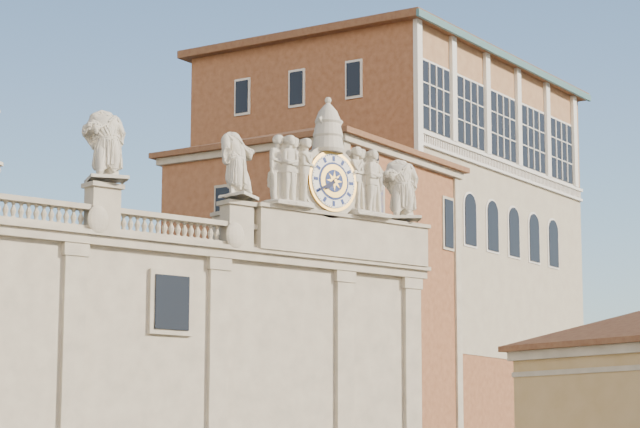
7:40
